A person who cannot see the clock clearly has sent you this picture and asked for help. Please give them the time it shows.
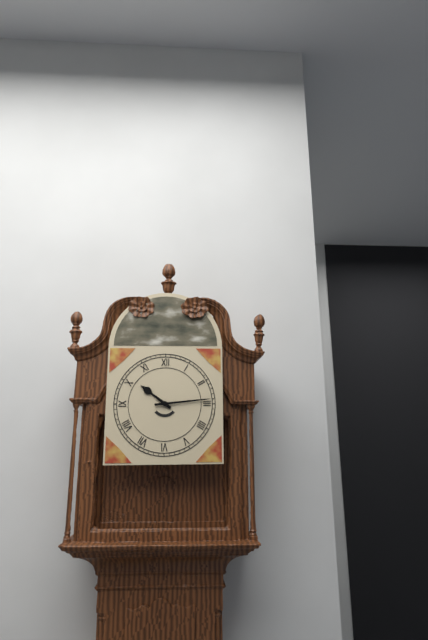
10:14
